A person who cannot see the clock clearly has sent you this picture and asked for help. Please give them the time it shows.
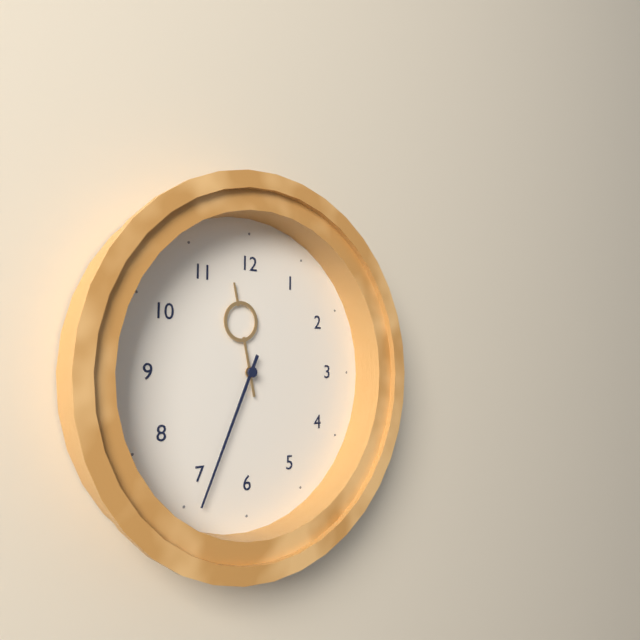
11:34
